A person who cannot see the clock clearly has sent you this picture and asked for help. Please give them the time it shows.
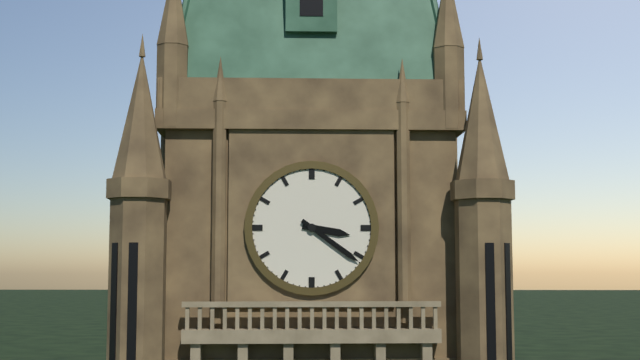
3:21
